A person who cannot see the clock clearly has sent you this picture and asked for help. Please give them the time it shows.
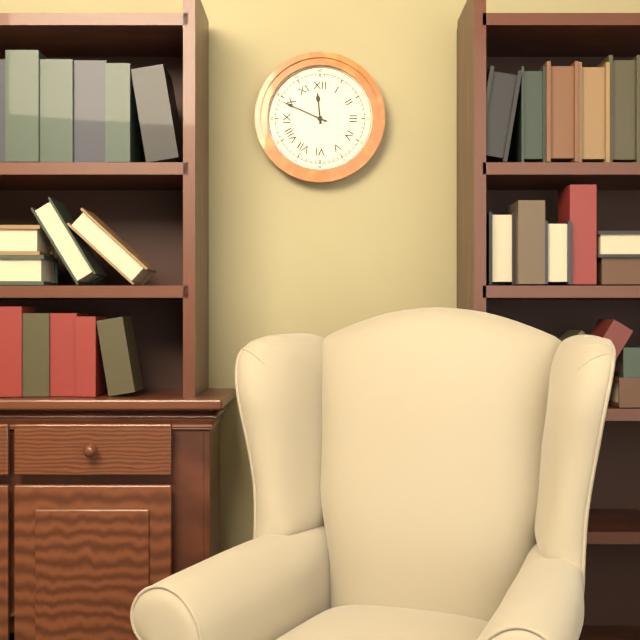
11:49
